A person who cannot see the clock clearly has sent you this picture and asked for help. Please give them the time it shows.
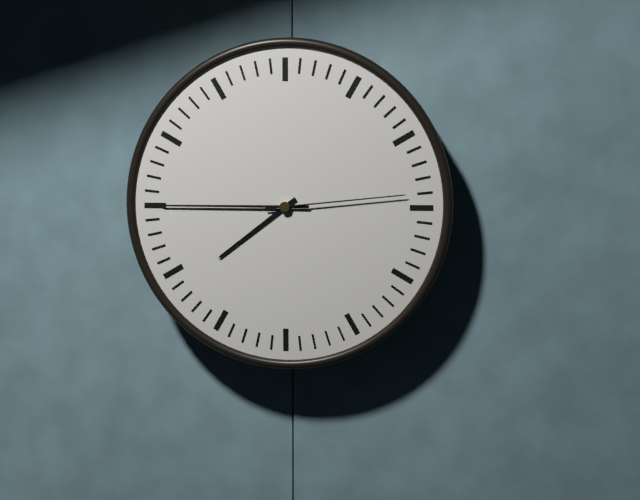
7:45:14
